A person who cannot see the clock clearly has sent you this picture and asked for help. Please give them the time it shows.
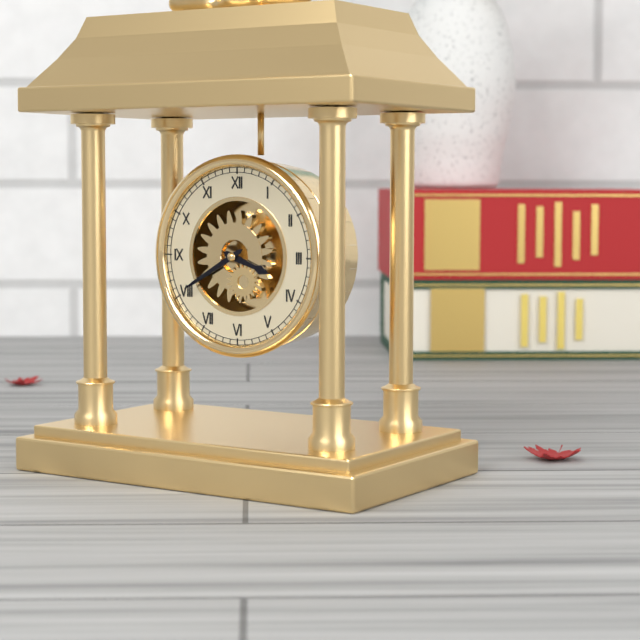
3:40
